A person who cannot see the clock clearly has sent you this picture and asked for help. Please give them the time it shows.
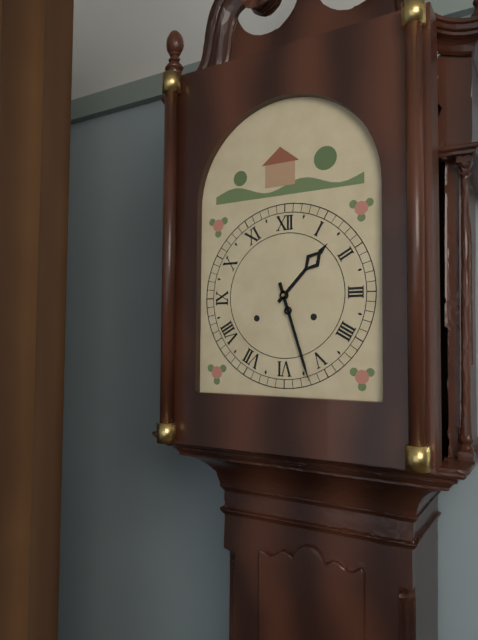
1:27
